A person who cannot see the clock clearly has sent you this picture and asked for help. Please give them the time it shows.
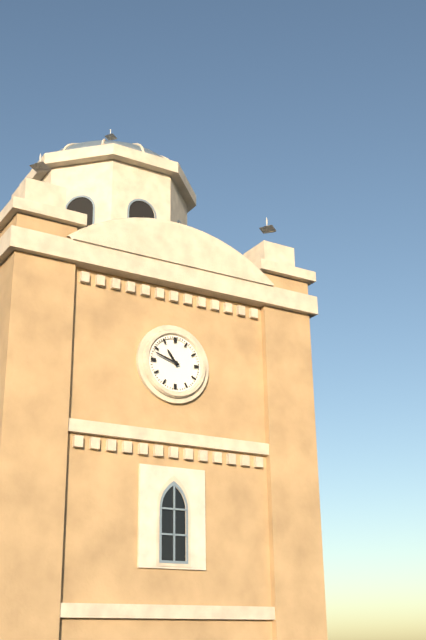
10:48
